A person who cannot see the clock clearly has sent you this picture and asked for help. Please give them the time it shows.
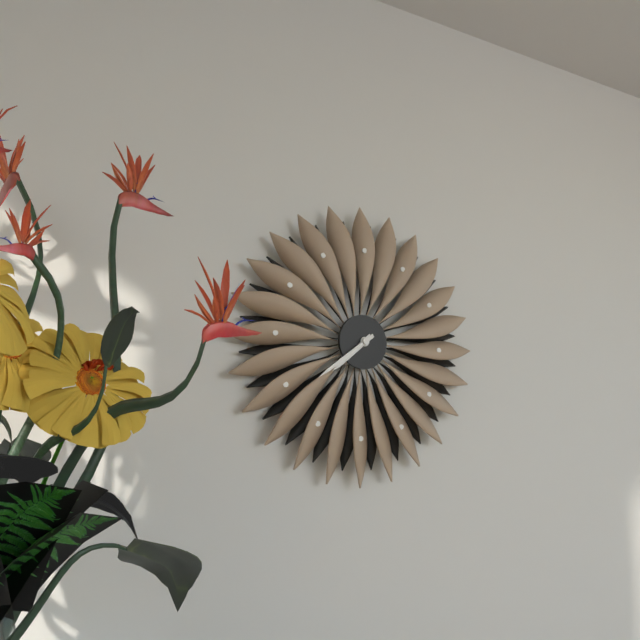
7:39
